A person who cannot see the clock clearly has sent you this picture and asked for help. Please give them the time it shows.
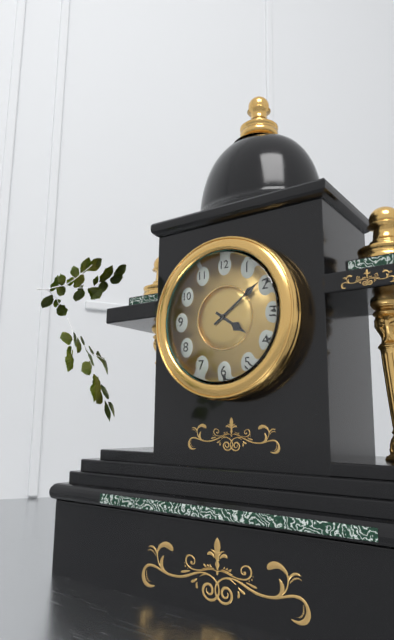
4:09
